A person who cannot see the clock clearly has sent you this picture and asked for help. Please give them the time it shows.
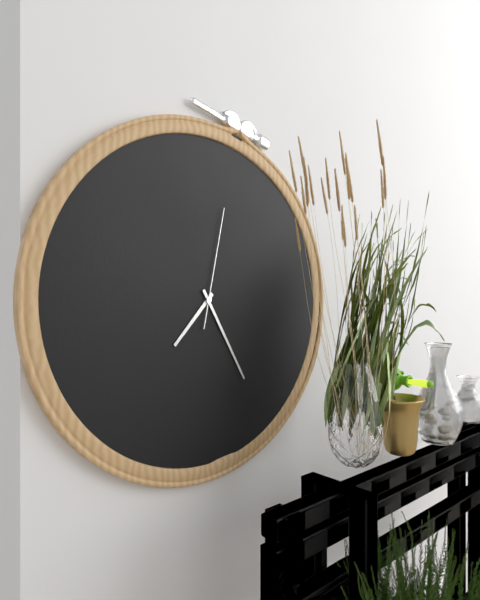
7:25:02
